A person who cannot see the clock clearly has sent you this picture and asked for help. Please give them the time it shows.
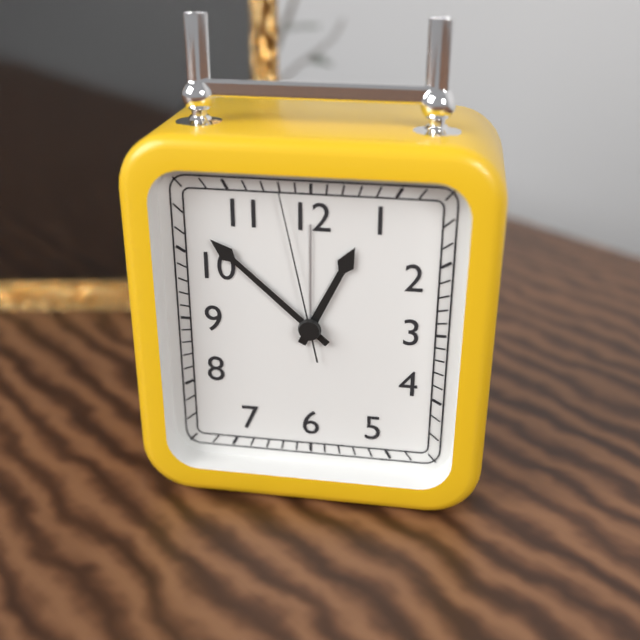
12:52:58
